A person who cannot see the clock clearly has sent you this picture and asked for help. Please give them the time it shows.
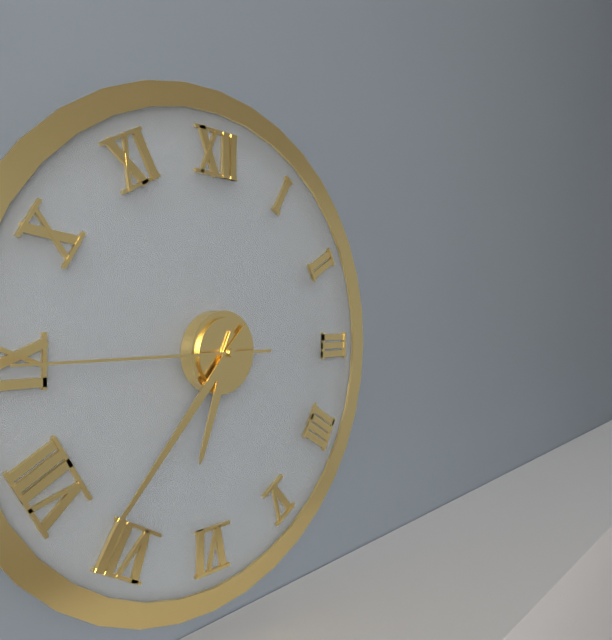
6:37:45
